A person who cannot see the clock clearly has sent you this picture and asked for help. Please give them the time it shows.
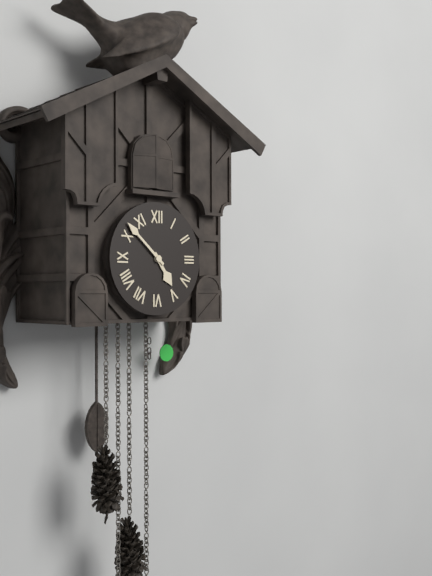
4:52
